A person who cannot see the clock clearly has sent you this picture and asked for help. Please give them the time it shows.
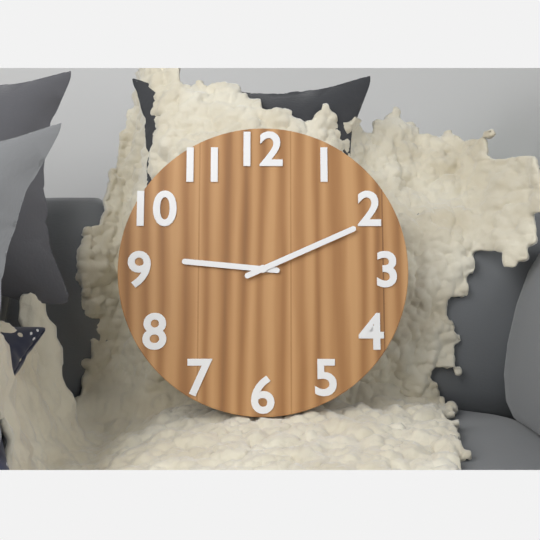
9:11
